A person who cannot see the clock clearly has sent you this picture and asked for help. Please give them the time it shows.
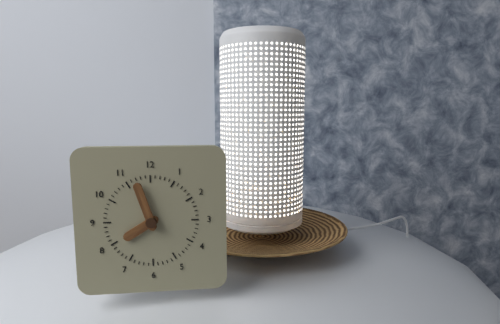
7:57
